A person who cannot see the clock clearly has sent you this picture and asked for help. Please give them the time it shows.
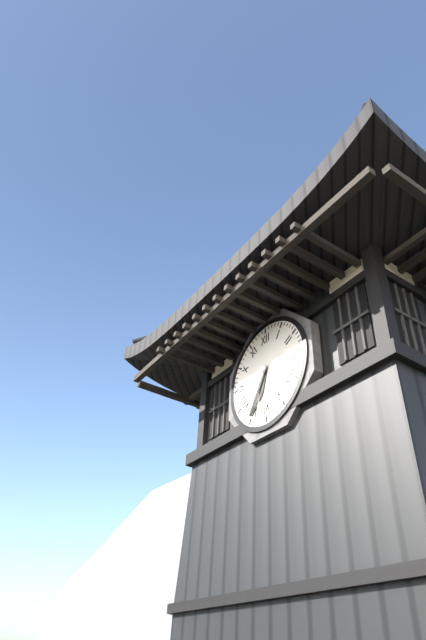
6:35
